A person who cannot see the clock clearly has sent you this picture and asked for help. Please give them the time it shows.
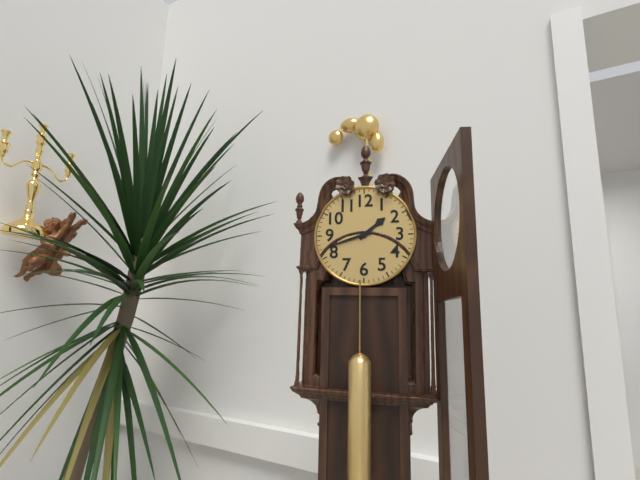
1:42
